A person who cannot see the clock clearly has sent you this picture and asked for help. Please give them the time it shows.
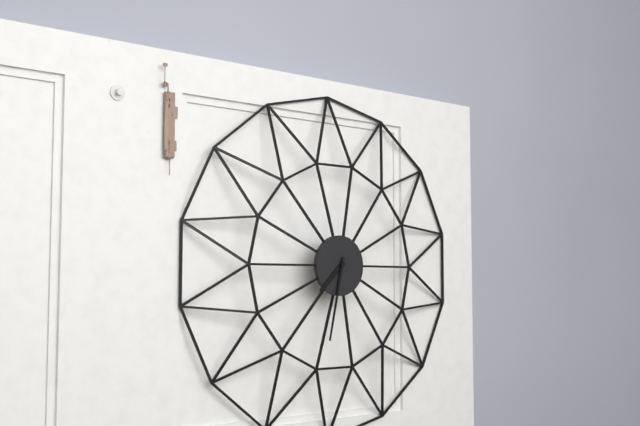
7:32
